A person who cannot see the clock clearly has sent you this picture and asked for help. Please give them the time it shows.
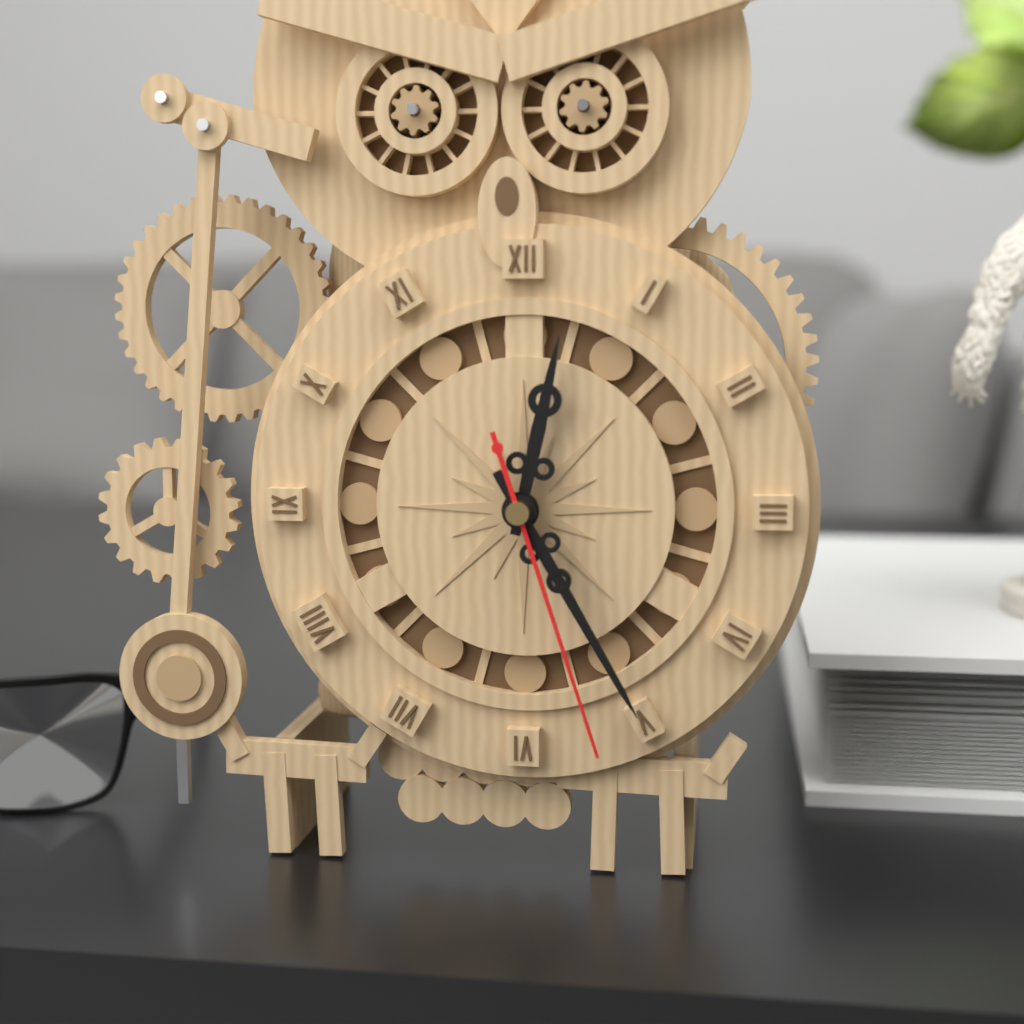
12:25:27
